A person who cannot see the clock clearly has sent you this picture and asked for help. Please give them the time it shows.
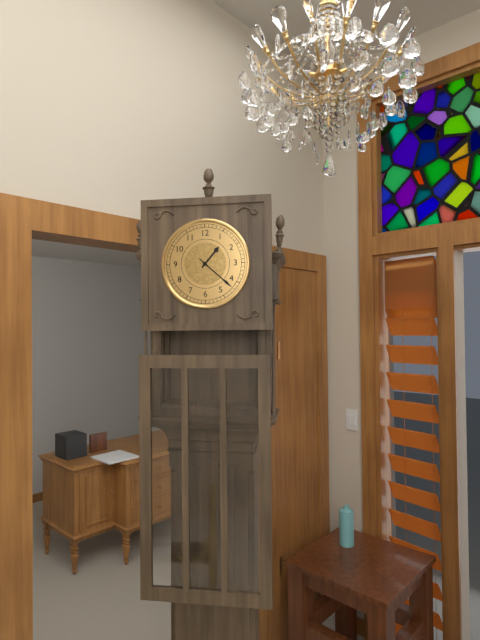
1:22
